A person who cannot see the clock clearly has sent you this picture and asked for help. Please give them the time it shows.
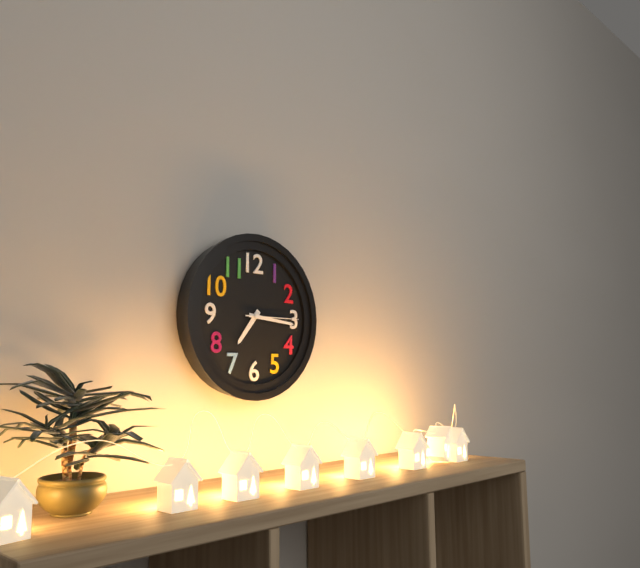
7:16:15
